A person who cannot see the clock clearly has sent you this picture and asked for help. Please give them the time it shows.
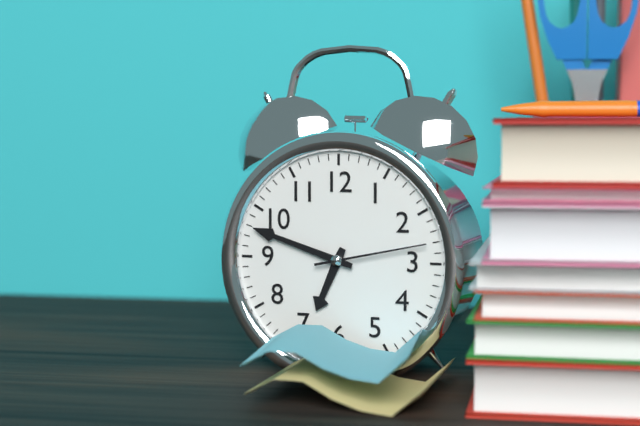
6:48:13
